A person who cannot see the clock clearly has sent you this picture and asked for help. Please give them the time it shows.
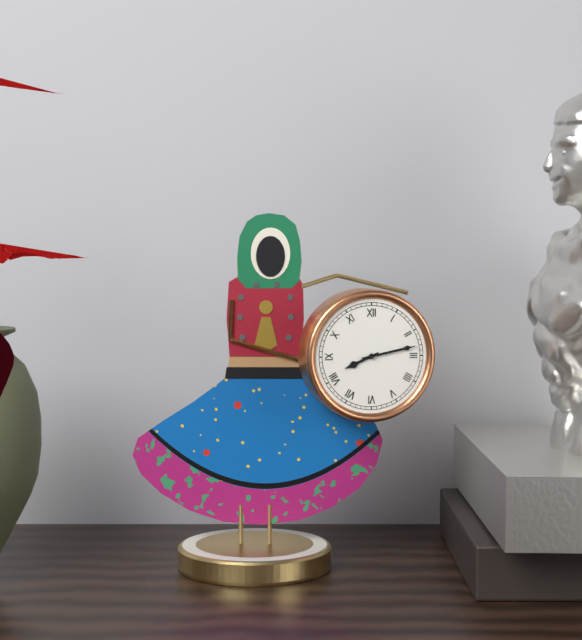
8:13
